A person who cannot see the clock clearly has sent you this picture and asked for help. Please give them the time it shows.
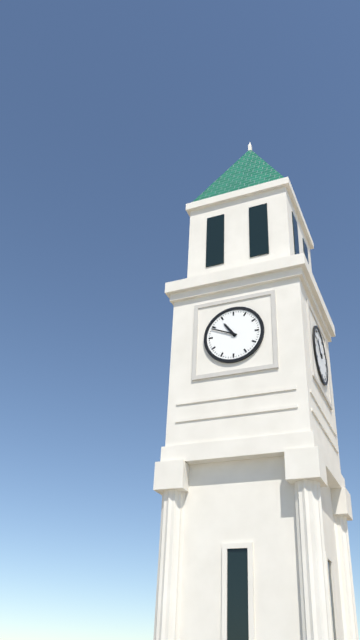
10:49
